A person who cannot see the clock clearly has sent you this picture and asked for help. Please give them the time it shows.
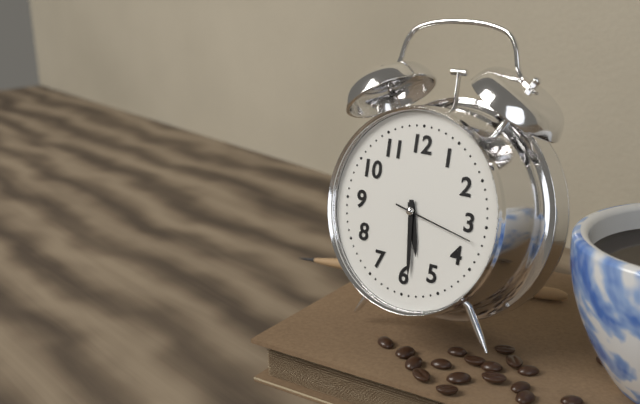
5:29:17
